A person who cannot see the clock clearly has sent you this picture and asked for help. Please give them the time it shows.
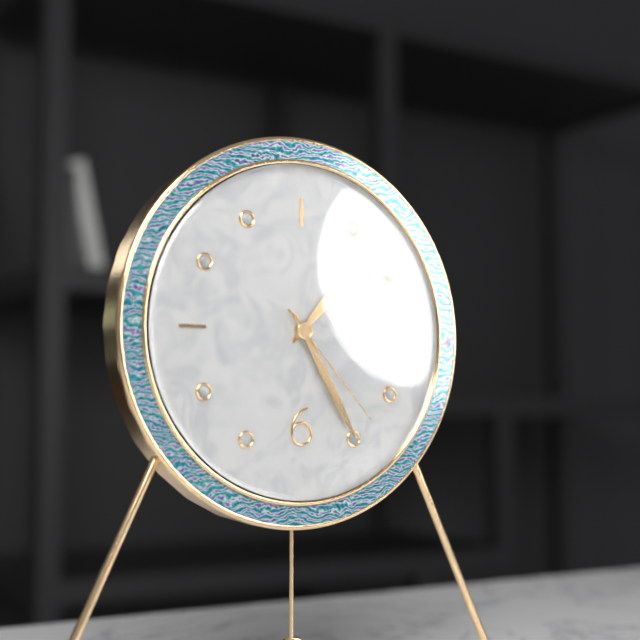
1:25:23
